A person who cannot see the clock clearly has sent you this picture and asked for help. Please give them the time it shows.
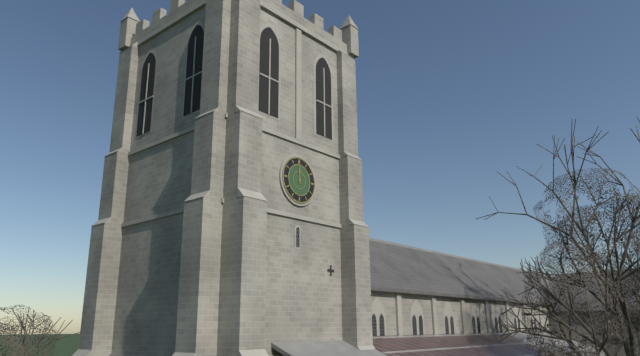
11:59
